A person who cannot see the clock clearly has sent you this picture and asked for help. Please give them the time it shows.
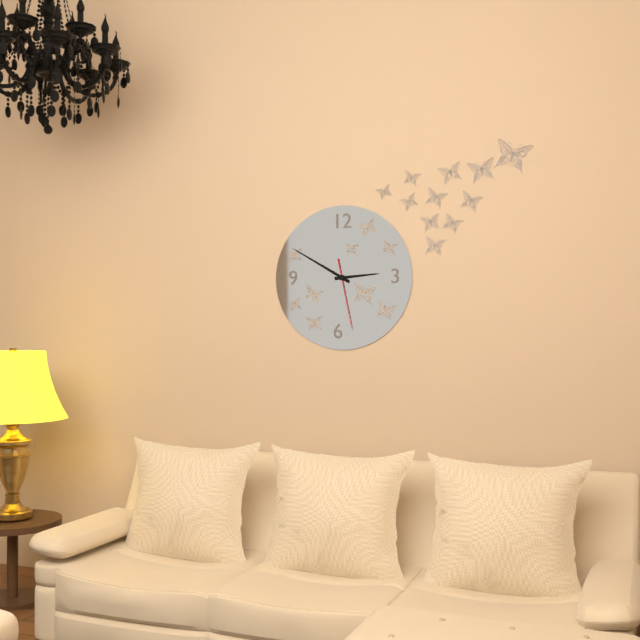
2:50:28
